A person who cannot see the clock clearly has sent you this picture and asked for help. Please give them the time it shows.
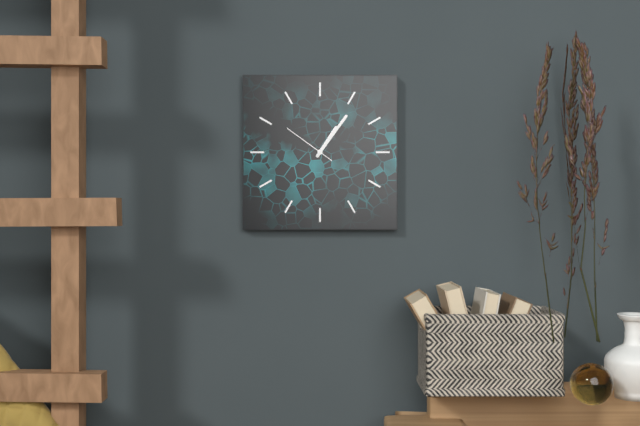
1:06:51
